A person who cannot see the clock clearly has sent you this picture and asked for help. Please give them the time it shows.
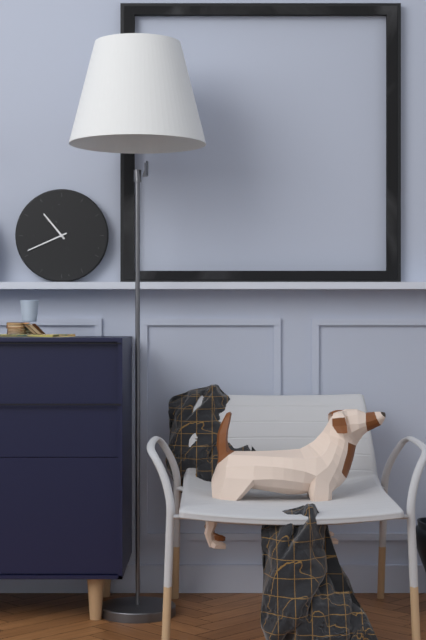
10:41
